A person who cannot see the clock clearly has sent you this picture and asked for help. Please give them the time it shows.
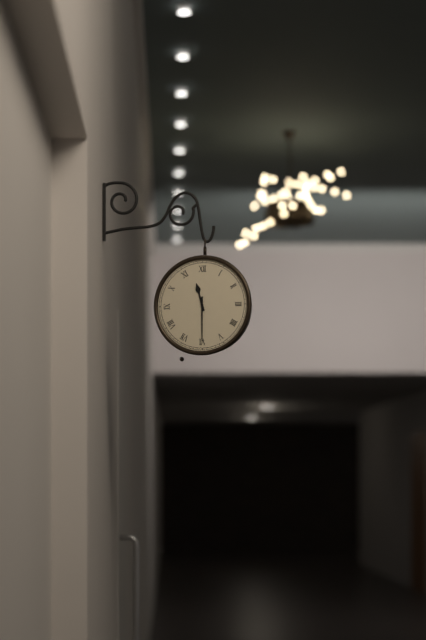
11:30
